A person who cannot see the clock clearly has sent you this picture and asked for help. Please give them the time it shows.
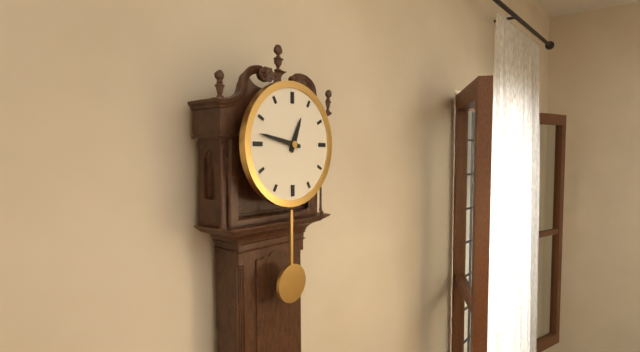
12:47
